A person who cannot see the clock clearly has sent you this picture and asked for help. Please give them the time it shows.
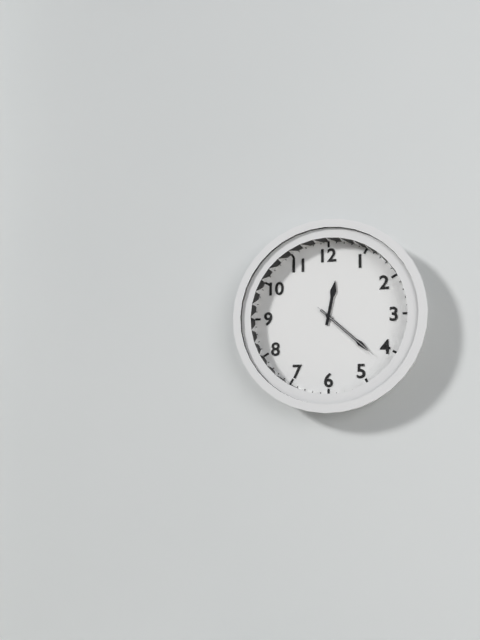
12:22:22
